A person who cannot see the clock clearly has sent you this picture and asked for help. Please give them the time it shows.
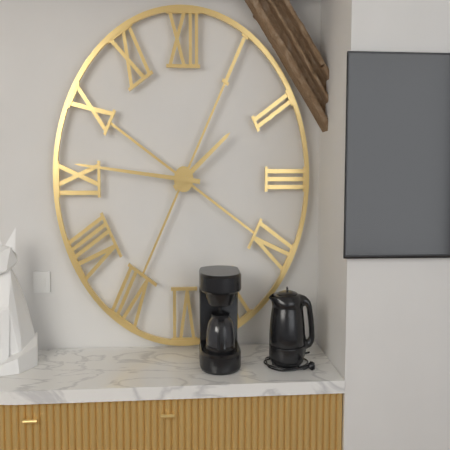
1:46
